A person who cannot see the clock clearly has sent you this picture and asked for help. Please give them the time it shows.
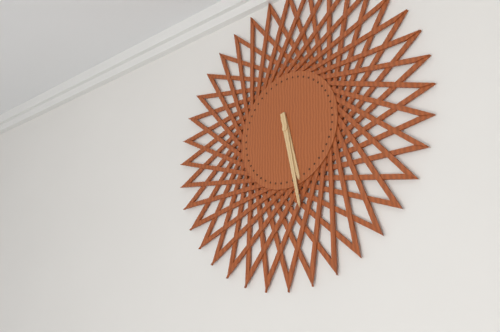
5:28
